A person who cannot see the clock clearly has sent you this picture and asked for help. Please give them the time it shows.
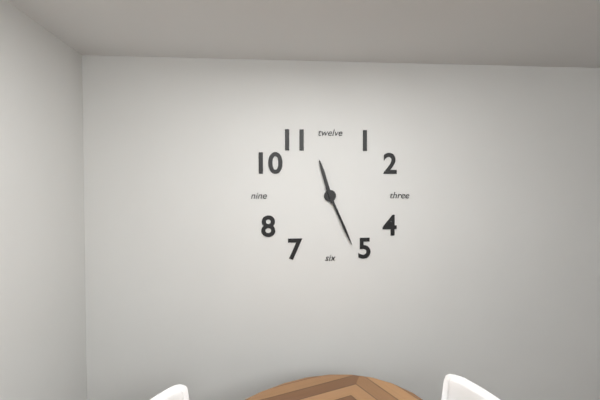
11:26
